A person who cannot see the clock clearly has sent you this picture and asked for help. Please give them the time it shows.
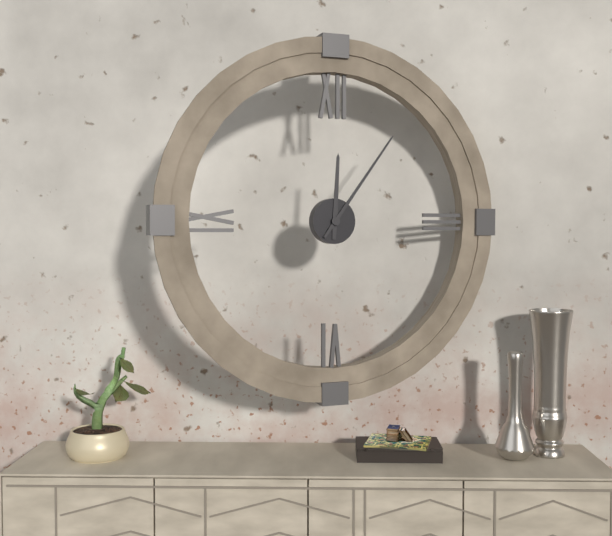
12:06
